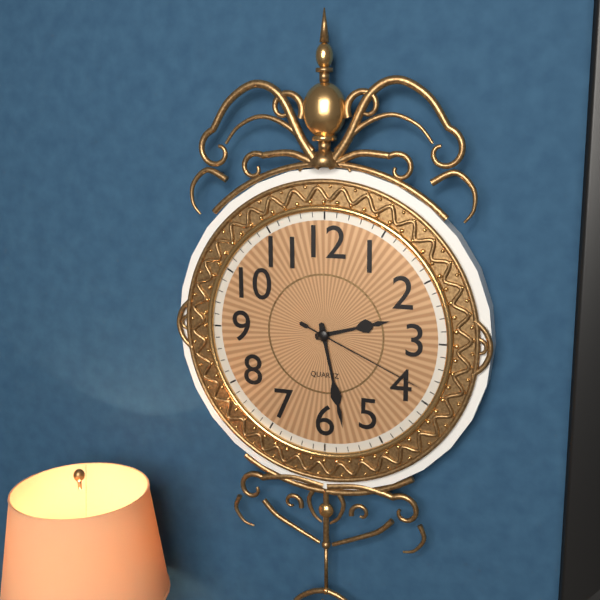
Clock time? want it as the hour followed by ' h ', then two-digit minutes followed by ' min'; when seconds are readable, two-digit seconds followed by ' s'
2 h 28 min 19 s
